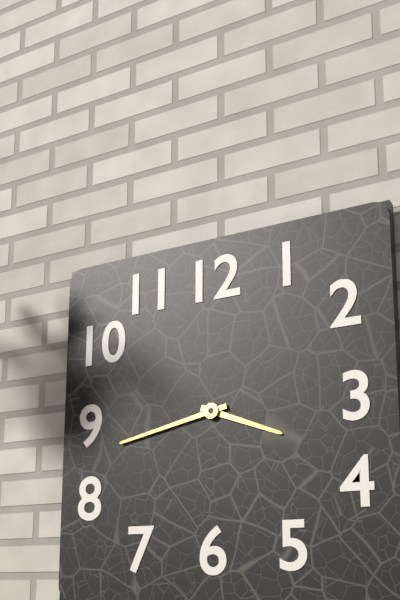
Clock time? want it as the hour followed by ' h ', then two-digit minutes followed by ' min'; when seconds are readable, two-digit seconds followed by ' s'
3 h 43 min
